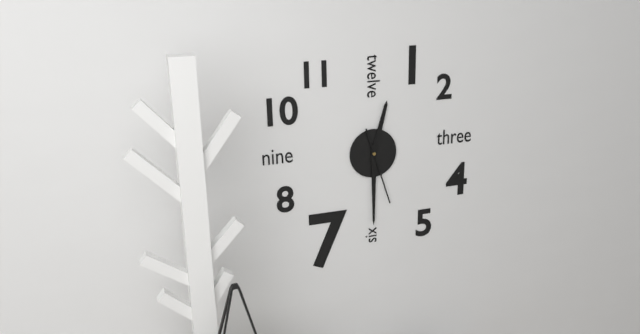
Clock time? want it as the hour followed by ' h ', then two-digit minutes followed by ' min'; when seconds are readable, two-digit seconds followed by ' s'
12 h 30 min 27 s
